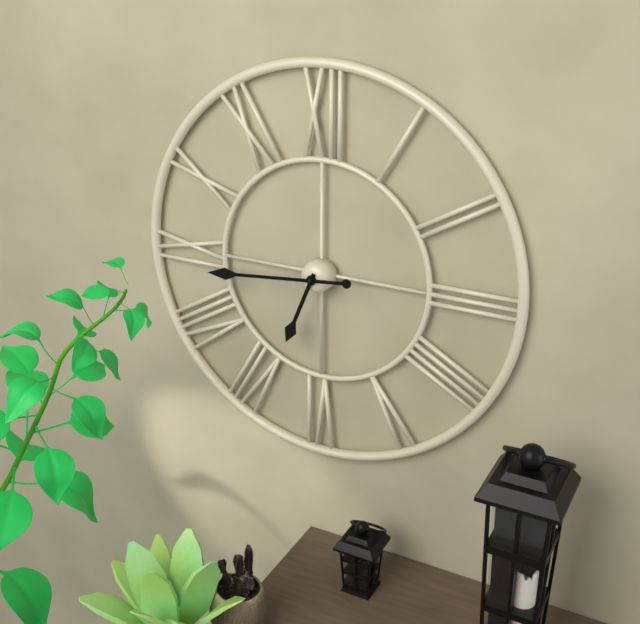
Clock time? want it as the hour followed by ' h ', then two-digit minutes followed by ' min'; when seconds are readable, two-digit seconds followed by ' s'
6 h 44 min
